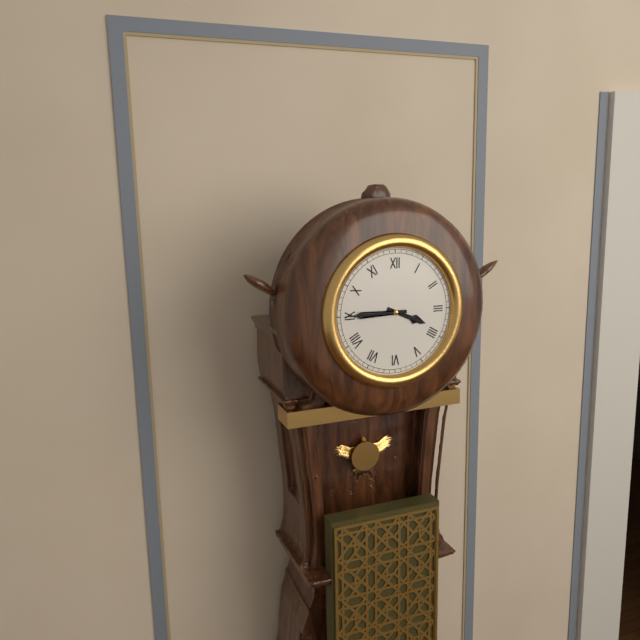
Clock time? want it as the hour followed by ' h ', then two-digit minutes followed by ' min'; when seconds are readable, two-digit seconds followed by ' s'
3 h 45 min
